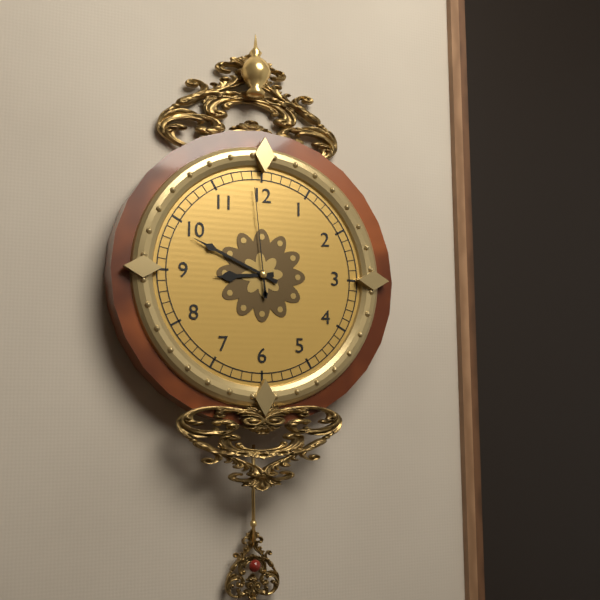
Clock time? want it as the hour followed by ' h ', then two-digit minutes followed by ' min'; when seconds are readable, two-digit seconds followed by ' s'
8 h 49 min 59 s
